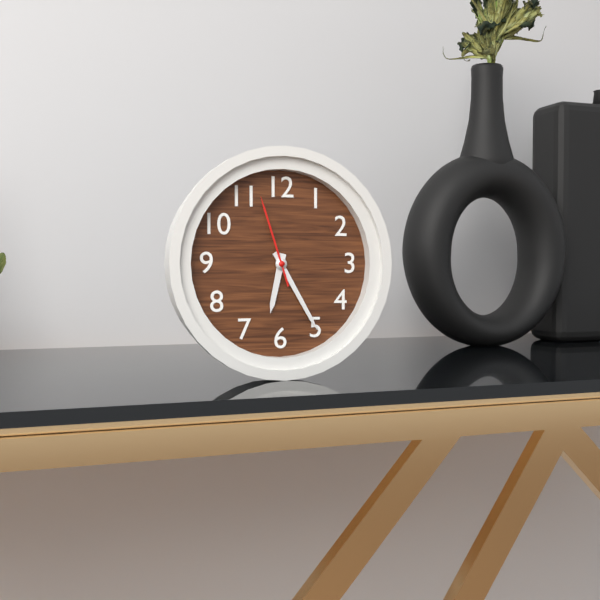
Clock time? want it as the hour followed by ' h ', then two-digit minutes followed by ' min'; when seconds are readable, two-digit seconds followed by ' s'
6 h 25 min 57 s
